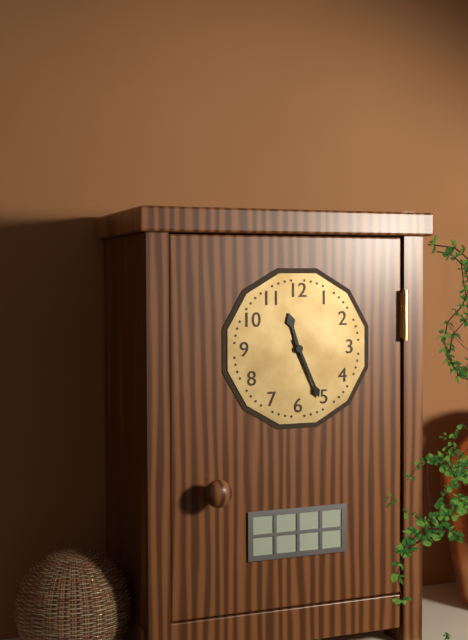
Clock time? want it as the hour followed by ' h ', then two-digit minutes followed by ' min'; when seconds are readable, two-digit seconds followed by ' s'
11 h 26 min
